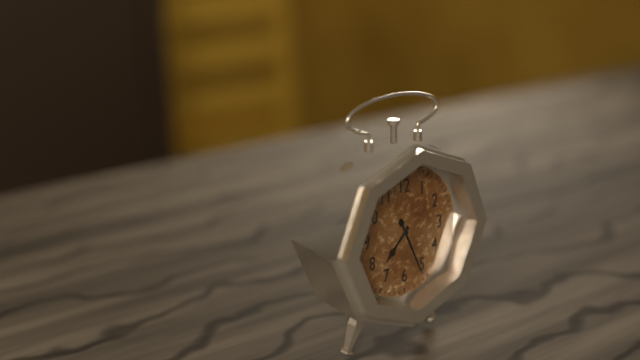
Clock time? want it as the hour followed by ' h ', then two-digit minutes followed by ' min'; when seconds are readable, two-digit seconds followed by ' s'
7 h 26 min
